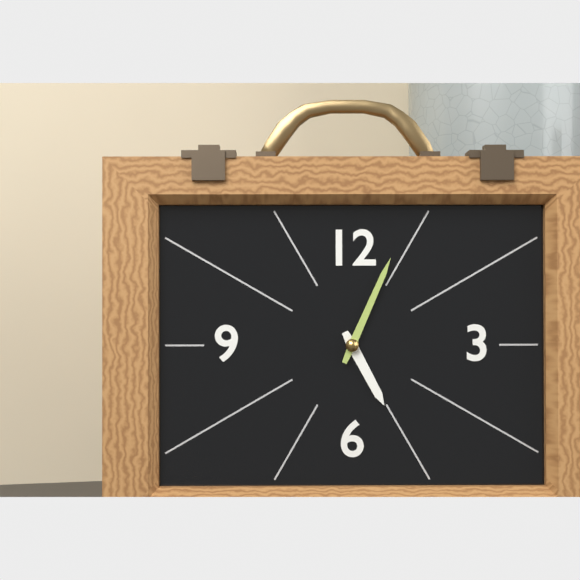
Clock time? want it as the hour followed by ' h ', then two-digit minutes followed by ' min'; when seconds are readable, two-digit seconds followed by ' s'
5 h 04 min
